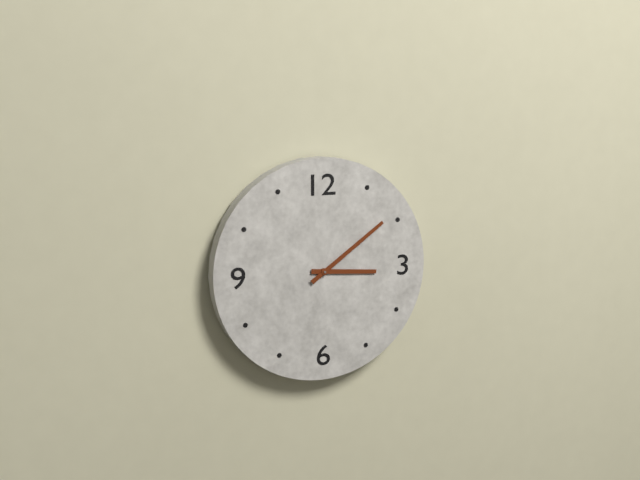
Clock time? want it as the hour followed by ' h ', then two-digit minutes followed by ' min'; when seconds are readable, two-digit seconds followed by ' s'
3 h 09 min
